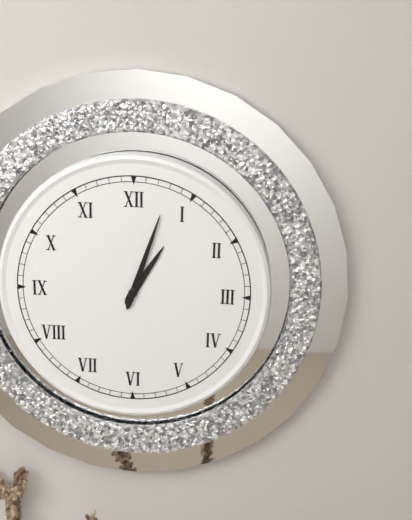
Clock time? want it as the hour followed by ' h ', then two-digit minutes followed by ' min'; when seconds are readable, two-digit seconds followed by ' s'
1 h 03 min
